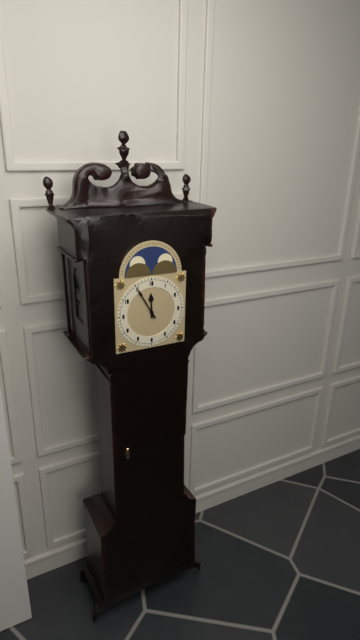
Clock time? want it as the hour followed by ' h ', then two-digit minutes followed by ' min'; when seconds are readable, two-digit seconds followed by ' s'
11 h 55 min
